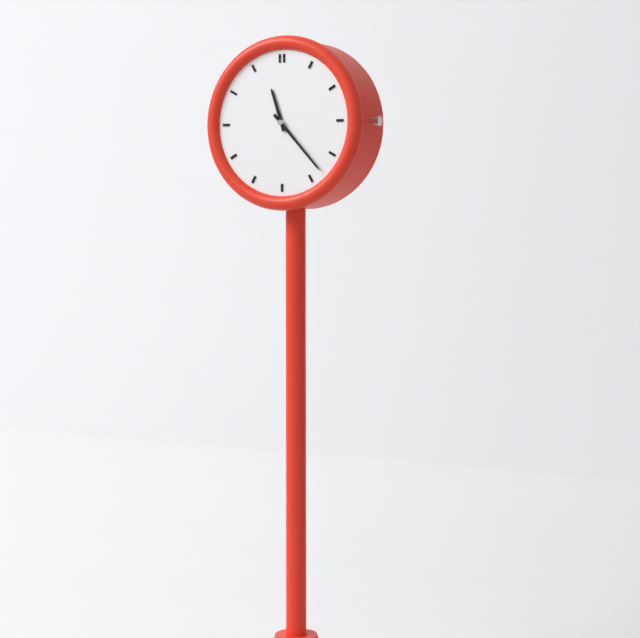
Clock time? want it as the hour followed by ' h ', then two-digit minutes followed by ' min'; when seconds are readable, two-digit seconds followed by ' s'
11 h 23 min
